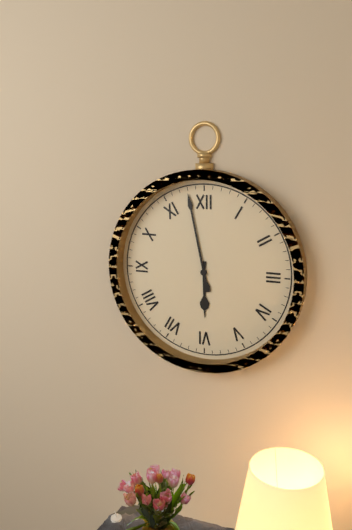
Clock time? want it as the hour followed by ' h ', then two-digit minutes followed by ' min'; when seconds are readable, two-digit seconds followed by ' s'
5 h 58 min
